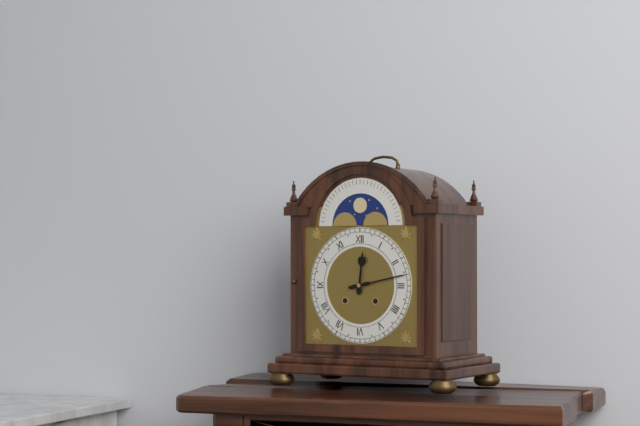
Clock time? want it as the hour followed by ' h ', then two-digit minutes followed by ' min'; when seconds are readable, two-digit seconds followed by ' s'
12 h 13 min
